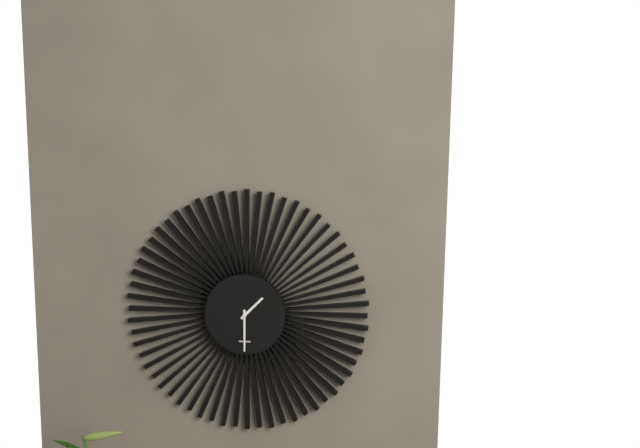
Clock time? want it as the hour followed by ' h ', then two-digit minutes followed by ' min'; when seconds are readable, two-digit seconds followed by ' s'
1 h 30 min
